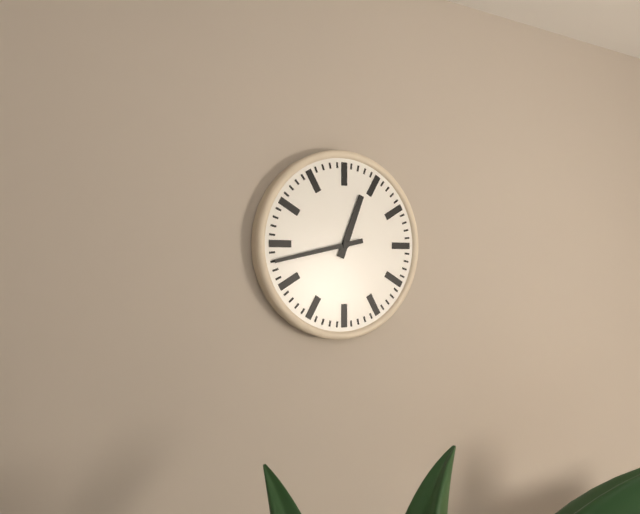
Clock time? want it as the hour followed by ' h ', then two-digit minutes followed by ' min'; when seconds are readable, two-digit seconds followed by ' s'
12 h 43 min
